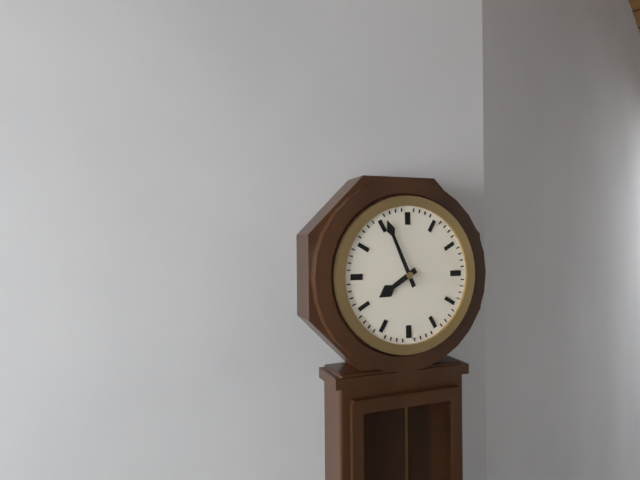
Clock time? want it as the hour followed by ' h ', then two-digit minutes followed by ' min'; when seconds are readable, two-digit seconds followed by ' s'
7 h 56 min
